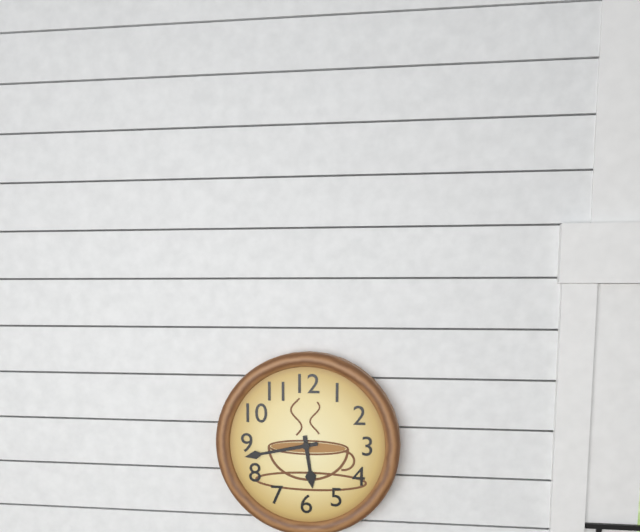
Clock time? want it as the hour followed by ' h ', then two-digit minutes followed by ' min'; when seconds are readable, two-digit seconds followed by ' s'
5 h 43 min
